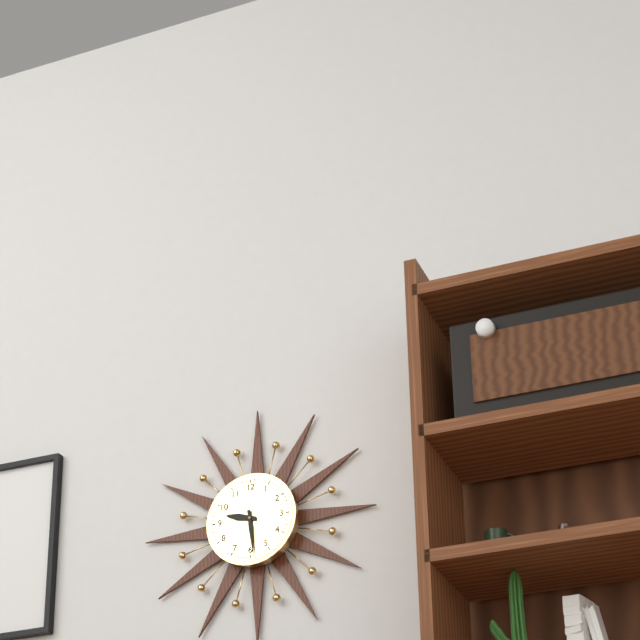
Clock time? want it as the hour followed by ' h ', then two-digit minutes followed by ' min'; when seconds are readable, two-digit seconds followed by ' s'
9 h 29 min
